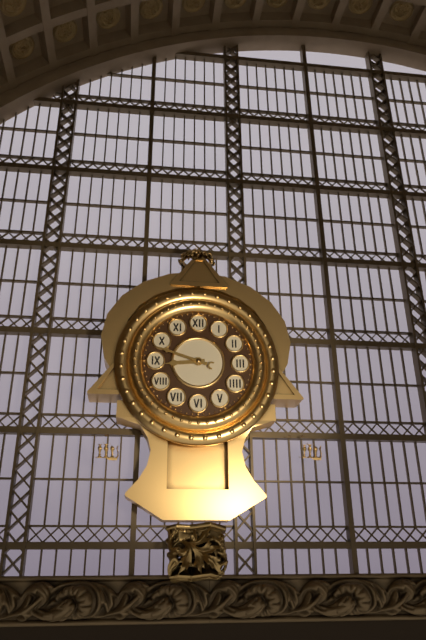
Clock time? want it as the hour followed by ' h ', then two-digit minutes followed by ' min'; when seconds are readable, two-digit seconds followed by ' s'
8 h 48 min
